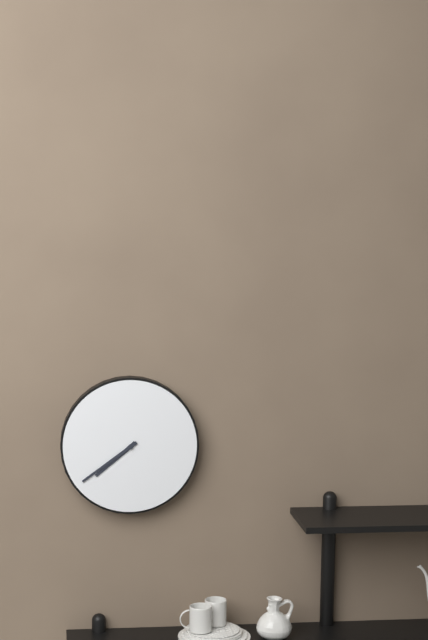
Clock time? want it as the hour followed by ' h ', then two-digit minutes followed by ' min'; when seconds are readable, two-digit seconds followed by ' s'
7 h 39 min
